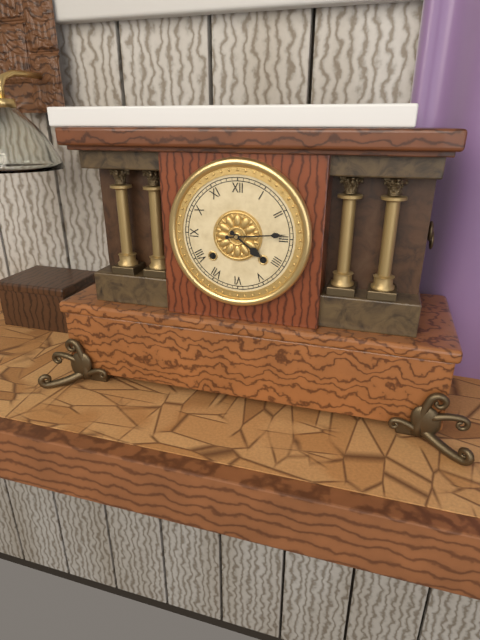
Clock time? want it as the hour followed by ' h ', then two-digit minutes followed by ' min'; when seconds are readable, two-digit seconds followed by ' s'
4 h 14 min
